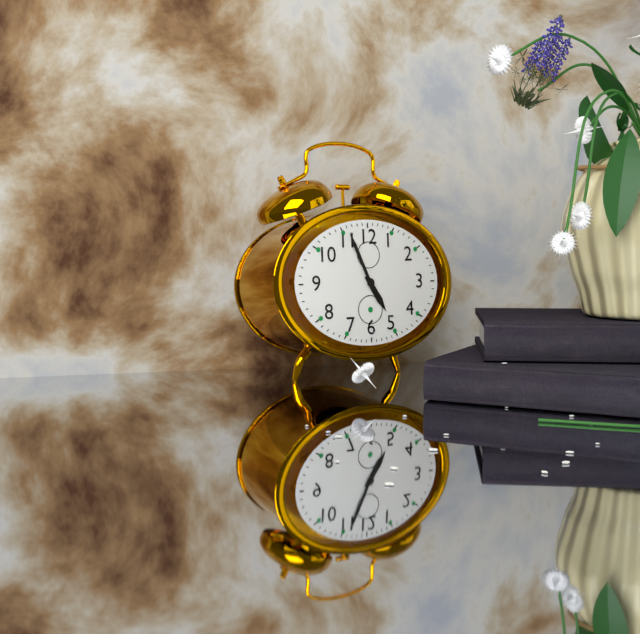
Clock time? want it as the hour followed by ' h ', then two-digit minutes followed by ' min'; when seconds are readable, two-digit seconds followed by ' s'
4 h 56 min
